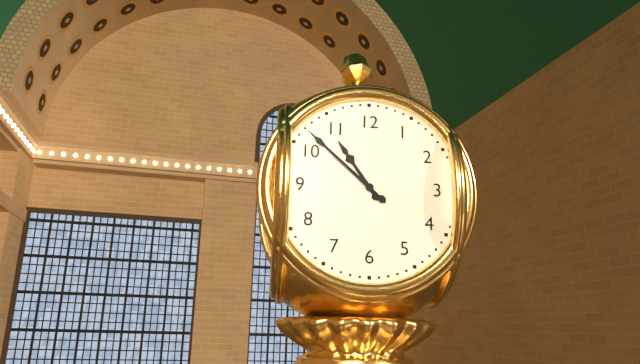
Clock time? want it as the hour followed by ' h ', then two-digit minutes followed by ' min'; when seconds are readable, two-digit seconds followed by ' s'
10 h 52 min
